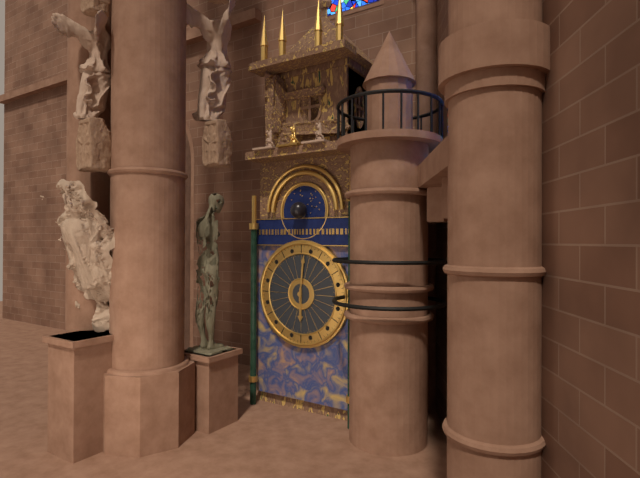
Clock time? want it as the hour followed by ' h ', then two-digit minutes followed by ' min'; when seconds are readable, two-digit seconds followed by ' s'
6 h 01 min
